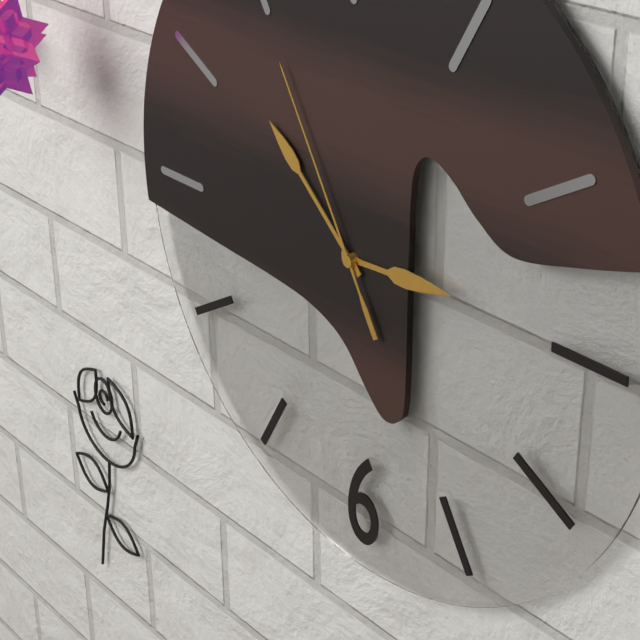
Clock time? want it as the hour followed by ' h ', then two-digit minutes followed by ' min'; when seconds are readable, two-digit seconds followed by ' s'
2 h 52 min 55 s
